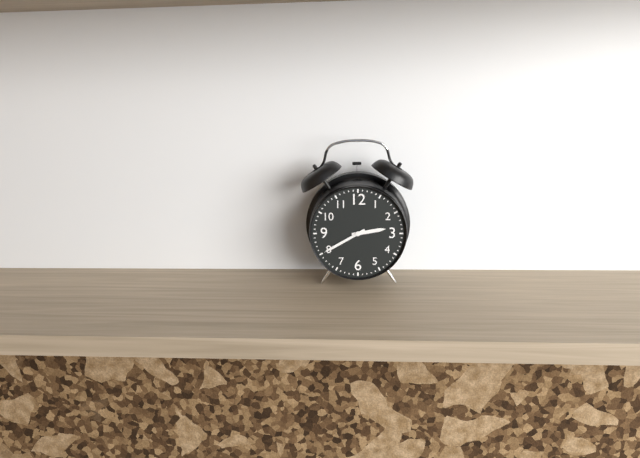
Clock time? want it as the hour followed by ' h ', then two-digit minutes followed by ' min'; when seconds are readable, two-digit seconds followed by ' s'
2 h 40 min
